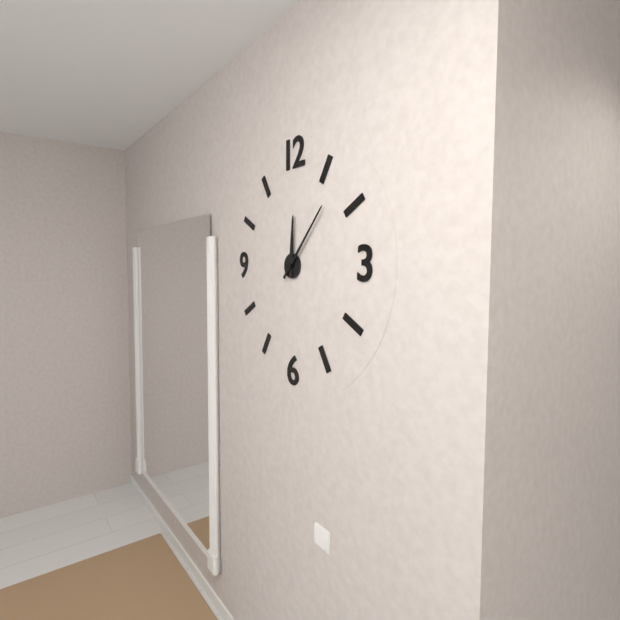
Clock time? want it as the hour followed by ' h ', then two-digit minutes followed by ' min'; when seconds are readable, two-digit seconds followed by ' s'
12 h 07 min
